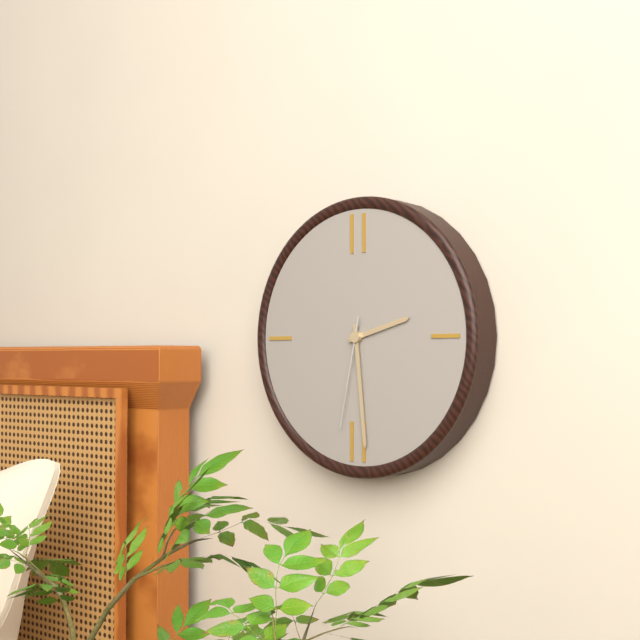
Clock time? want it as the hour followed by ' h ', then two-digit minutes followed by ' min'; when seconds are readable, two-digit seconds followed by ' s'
2 h 29 min 32 s
